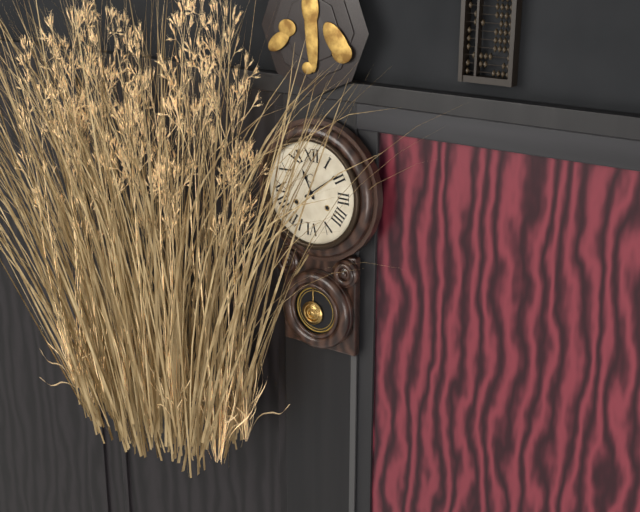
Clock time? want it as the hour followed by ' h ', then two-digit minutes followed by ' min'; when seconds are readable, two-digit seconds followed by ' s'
11 h 09 min
